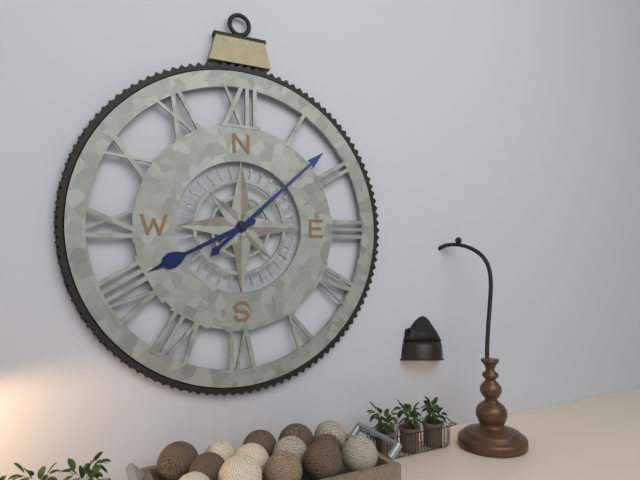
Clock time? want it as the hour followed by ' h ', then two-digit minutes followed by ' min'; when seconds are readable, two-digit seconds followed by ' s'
8 h 08 min
